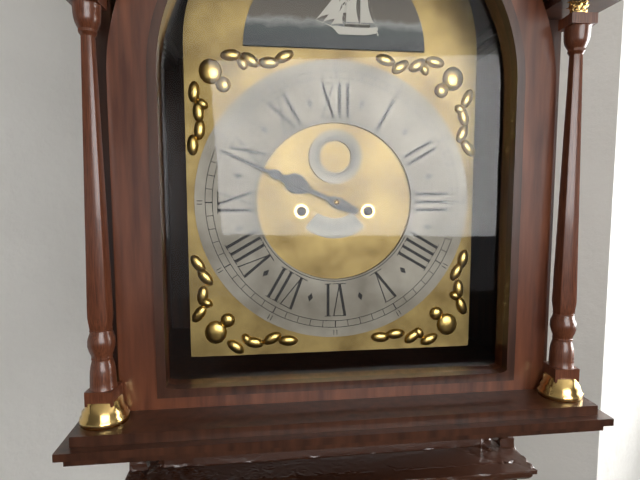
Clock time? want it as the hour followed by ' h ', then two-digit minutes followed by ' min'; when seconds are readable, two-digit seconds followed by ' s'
9 h 49 min
